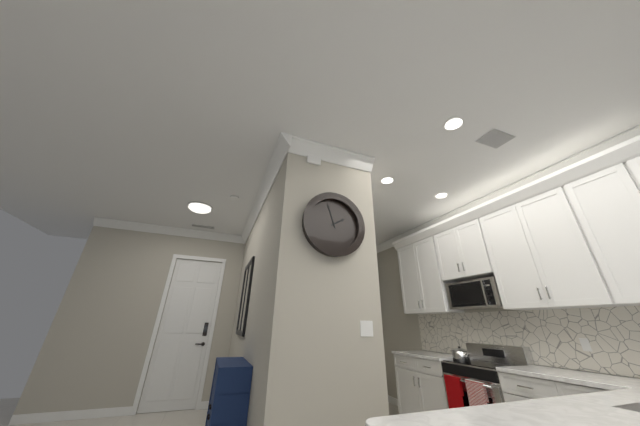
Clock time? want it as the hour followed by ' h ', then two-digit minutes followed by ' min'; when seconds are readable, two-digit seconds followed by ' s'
1 h 57 min
